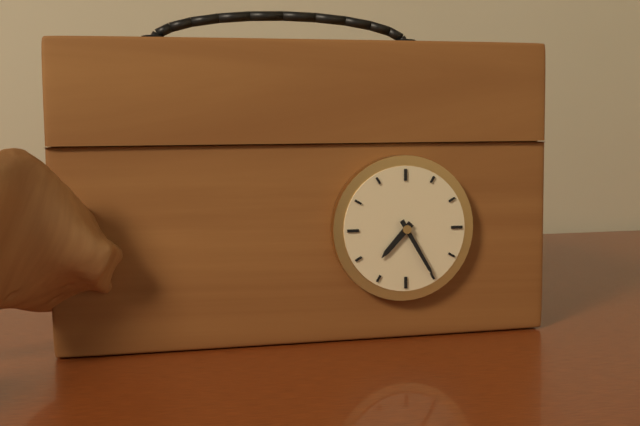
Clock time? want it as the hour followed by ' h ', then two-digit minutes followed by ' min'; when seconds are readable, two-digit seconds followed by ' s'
7 h 25 min
